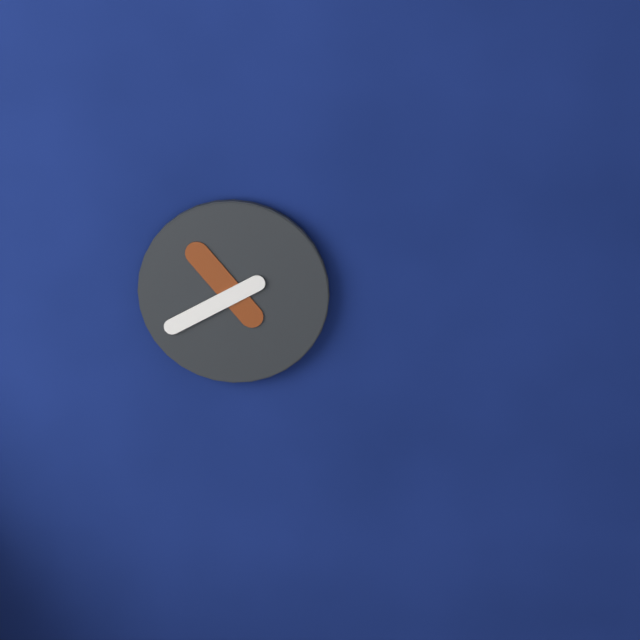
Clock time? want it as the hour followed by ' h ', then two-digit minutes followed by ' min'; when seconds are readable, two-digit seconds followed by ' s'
10 h 40 min
